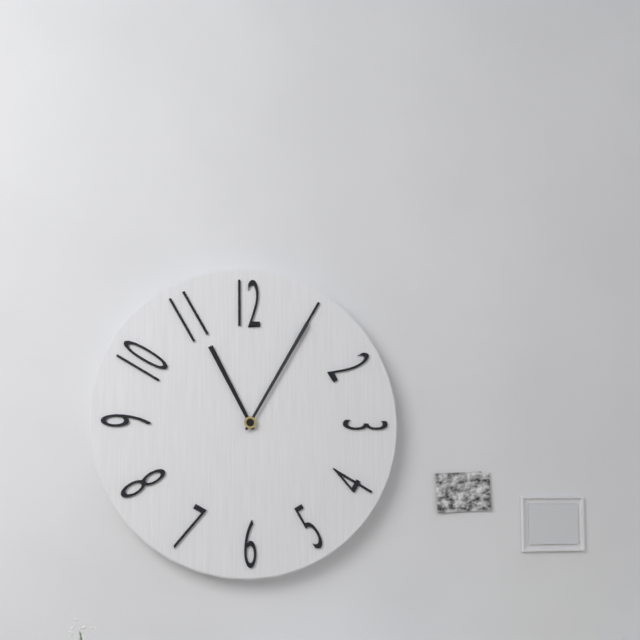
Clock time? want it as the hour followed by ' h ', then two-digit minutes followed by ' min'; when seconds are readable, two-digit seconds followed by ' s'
11 h 05 min
